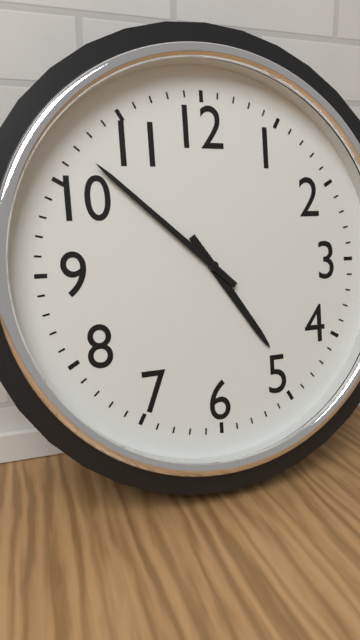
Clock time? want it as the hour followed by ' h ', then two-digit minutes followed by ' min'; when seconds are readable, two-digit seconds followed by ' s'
4 h 52 min
